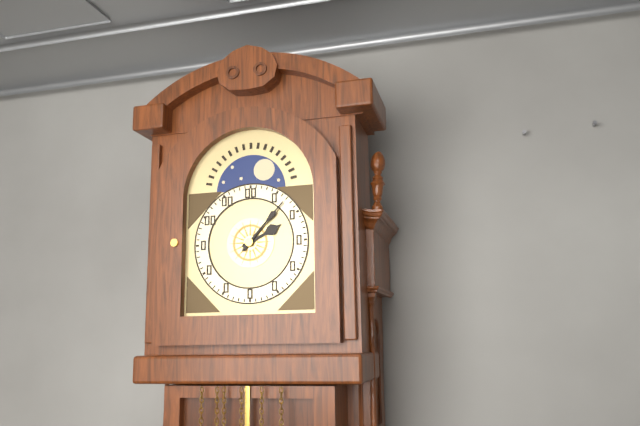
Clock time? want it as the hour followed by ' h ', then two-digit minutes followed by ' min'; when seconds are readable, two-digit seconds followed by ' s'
2 h 07 min
